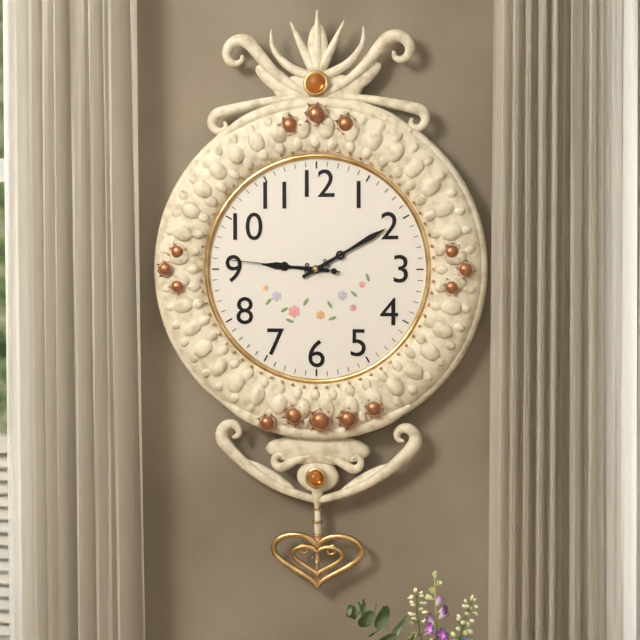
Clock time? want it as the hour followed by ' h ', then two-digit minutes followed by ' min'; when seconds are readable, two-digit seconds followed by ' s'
9 h 10 min 46 s
